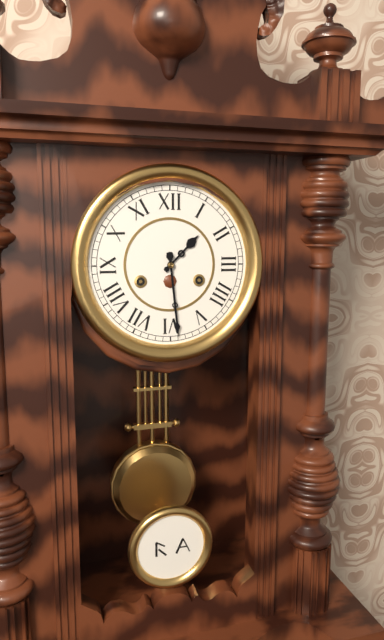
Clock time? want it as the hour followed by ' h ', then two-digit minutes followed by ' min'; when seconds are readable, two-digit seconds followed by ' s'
1 h 29 min
